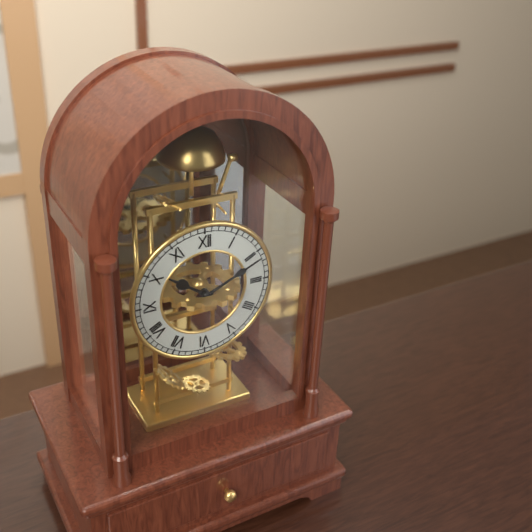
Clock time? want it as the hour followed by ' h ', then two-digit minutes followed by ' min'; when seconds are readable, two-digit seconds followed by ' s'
10 h 11 min
